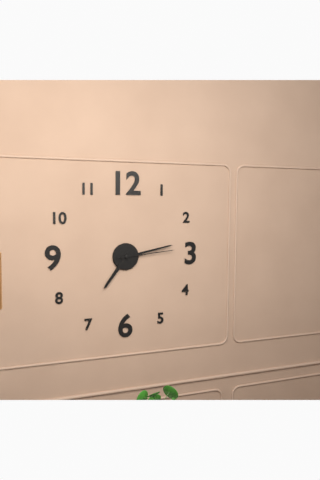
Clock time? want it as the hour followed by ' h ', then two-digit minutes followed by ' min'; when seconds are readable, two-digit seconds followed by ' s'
7 h 13 min 14 s
